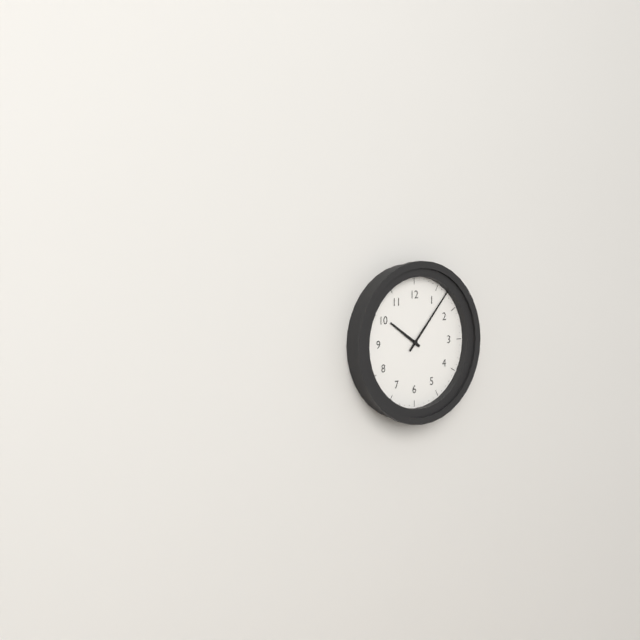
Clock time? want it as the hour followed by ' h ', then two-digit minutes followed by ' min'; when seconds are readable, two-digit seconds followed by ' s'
10 h 07 min
